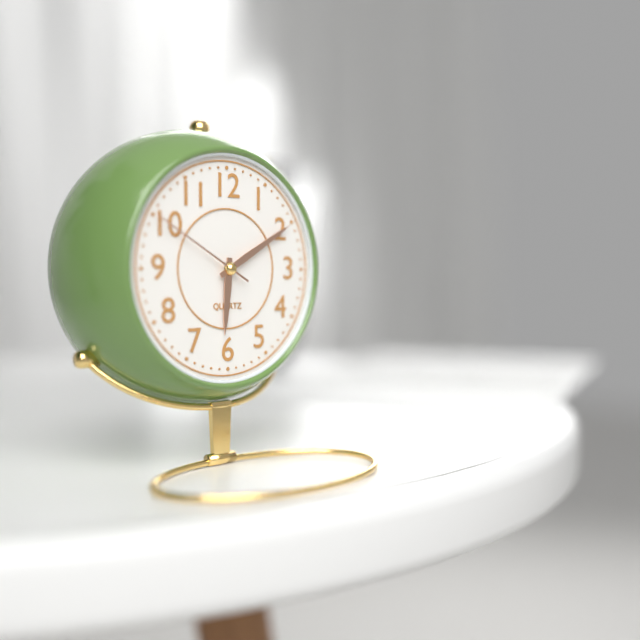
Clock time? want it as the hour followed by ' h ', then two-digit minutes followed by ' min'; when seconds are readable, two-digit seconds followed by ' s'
6 h 10 min 50 s
